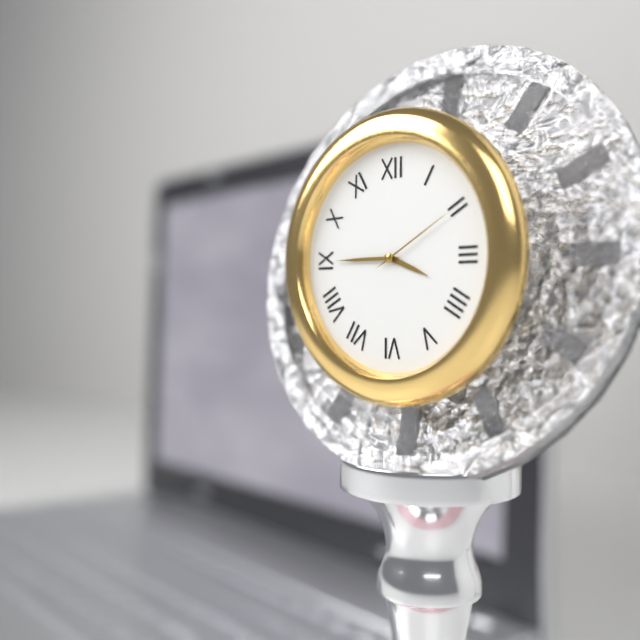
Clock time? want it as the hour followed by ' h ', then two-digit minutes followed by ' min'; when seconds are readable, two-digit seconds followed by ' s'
3 h 45 min 10 s
